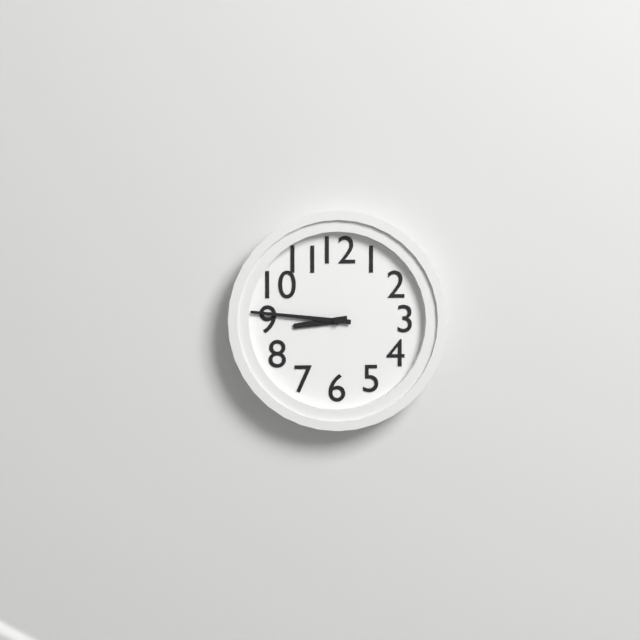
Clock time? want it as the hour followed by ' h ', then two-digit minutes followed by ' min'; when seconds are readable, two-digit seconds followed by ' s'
8 h 46 min
